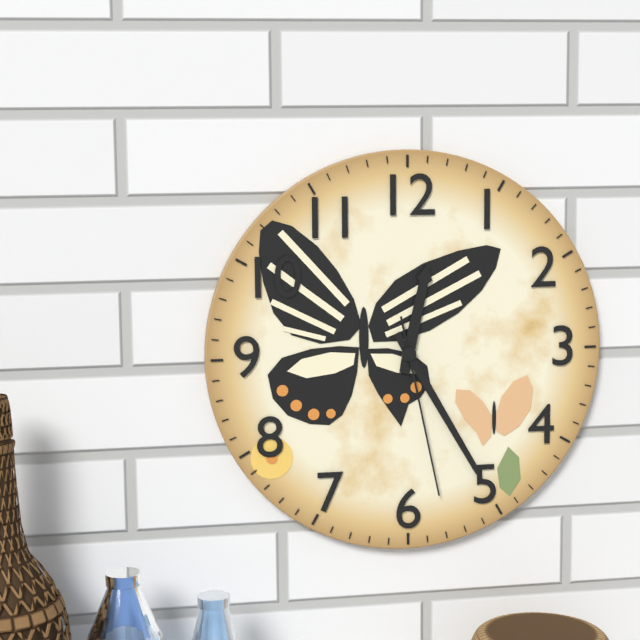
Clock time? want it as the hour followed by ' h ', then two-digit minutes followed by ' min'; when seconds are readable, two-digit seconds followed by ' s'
12 h 25 min 28 s
